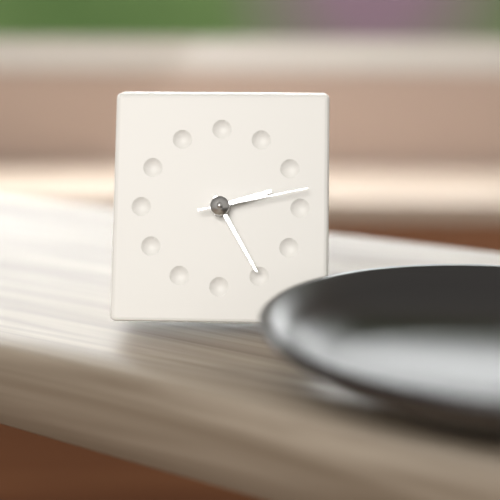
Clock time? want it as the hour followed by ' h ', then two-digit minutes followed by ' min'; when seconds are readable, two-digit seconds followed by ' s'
2 h 25 min 13 s
